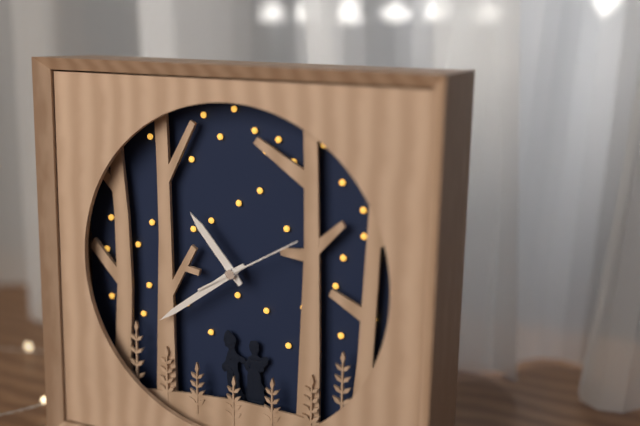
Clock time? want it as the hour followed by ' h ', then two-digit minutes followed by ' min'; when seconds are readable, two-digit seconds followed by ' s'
10 h 39 min 10 s
